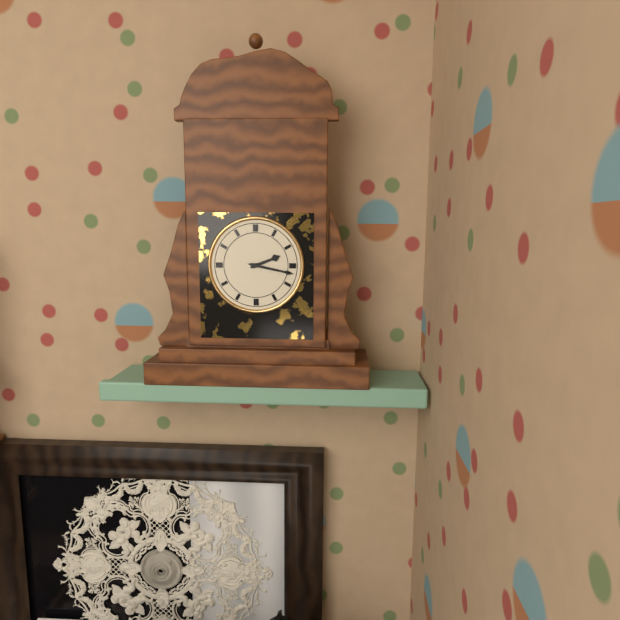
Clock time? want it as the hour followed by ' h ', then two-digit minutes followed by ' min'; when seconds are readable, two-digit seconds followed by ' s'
2 h 17 min
